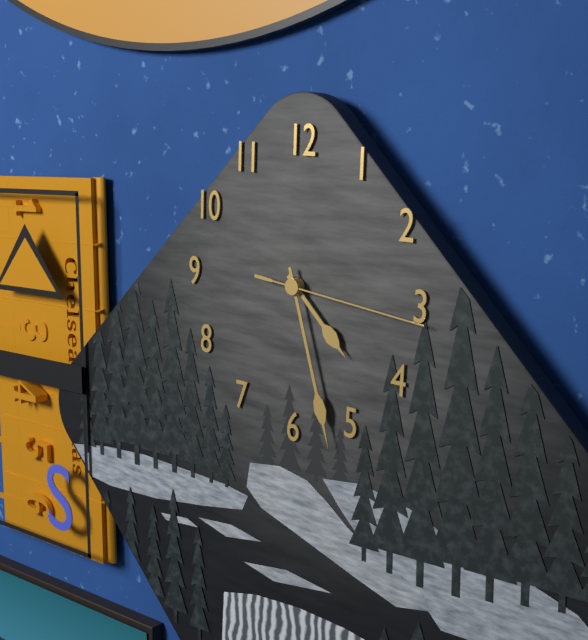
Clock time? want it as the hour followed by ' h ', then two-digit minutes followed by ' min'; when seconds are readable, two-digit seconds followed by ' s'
4 h 27 min 16 s
